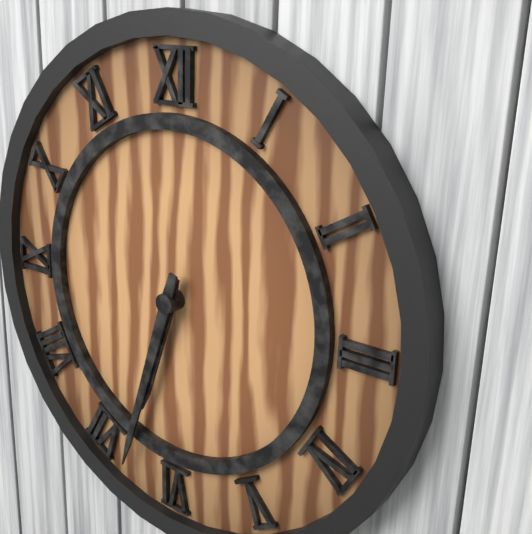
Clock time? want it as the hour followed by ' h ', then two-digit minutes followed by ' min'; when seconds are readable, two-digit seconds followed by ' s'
6 h 33 min
